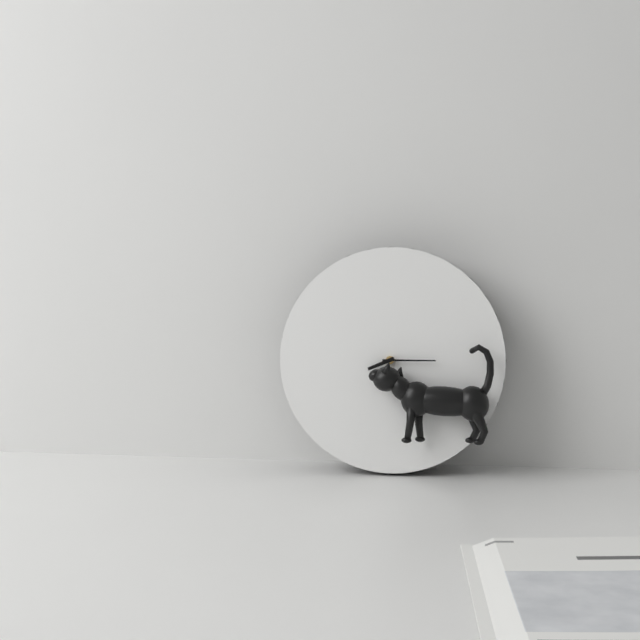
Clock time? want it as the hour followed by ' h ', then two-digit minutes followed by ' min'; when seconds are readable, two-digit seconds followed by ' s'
8 h 15 min
